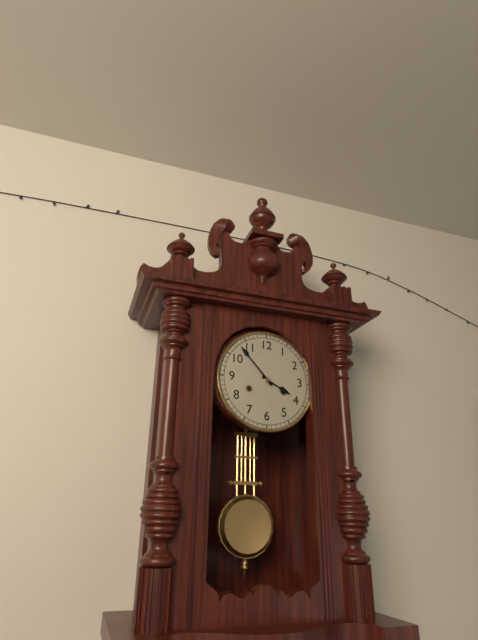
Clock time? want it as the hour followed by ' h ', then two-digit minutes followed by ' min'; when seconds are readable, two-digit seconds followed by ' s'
3 h 53 min
